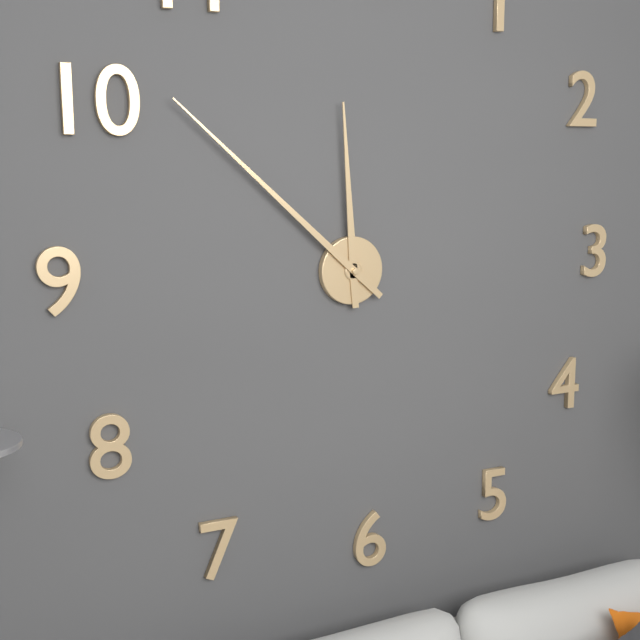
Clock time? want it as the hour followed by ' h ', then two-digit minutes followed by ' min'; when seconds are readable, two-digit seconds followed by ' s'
11 h 52 min
